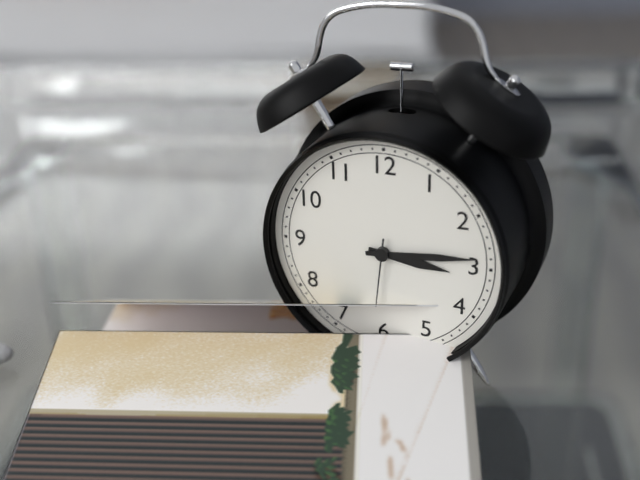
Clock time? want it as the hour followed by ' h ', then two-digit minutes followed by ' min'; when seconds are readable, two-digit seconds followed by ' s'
3 h 14 min 31 s
